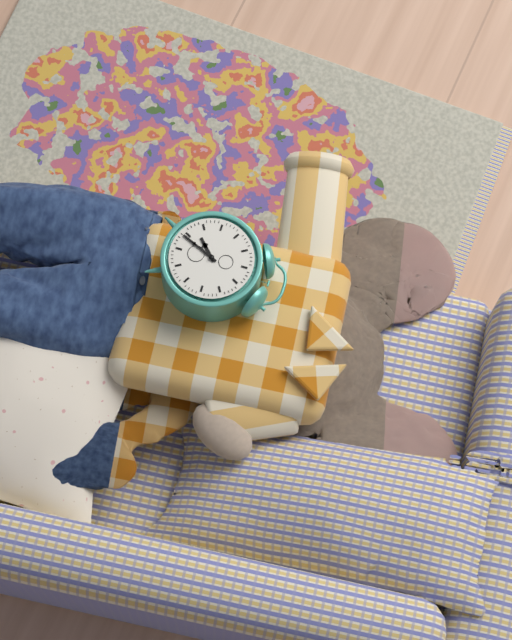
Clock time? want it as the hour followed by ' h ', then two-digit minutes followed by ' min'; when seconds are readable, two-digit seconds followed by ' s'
7 h 34 min
